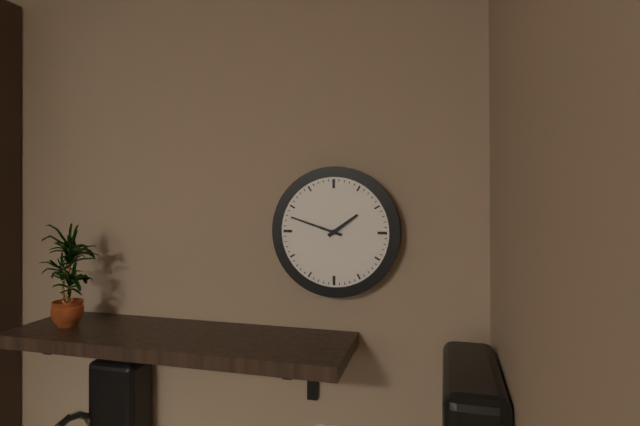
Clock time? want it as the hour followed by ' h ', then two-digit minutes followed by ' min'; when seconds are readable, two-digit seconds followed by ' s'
1 h 48 min
